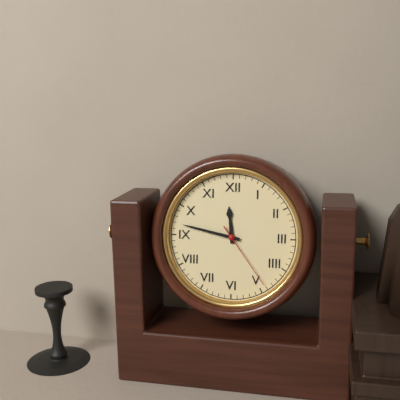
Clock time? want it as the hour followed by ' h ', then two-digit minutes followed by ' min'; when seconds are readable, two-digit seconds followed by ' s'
11 h 47 min 24 s
